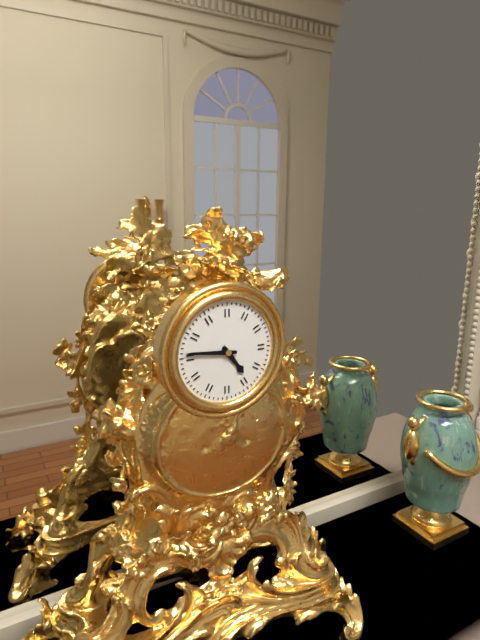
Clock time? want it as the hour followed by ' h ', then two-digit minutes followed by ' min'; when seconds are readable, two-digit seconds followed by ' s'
4 h 46 min
